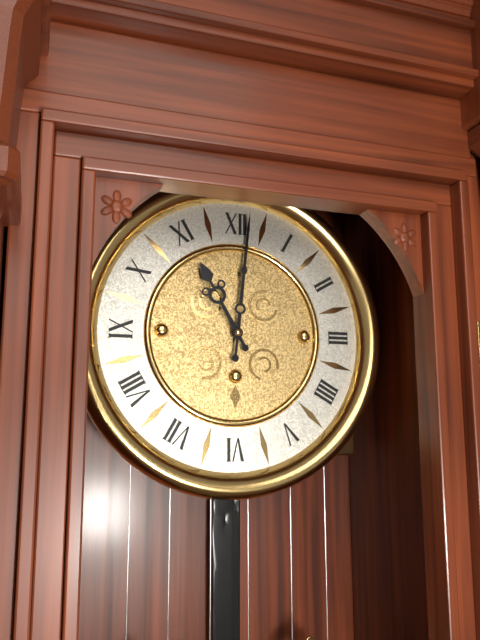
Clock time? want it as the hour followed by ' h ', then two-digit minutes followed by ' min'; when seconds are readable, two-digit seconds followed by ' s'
11 h 01 min
